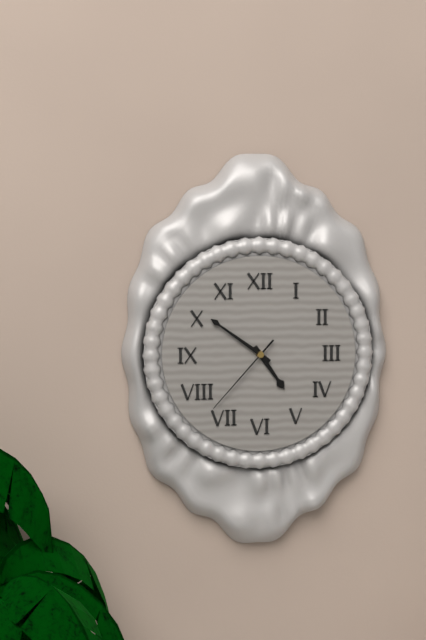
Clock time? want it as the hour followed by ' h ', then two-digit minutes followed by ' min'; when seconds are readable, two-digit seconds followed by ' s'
4 h 51 min 37 s
